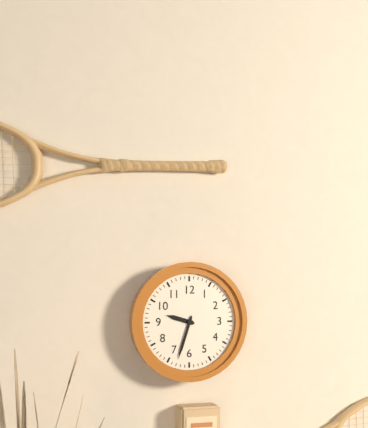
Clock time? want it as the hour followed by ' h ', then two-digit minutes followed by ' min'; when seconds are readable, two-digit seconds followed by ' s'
9 h 33 min
